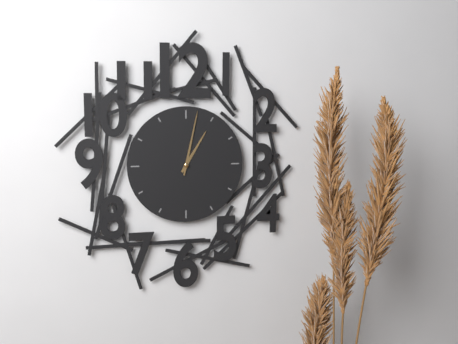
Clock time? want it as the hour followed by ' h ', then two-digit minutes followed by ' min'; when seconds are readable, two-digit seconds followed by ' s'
1 h 02 min
